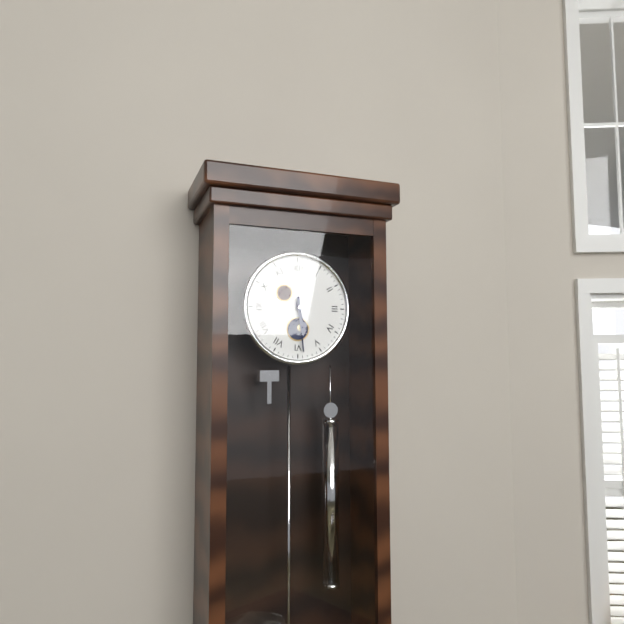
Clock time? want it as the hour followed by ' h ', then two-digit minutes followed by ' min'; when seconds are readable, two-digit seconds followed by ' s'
5 h 29 min
